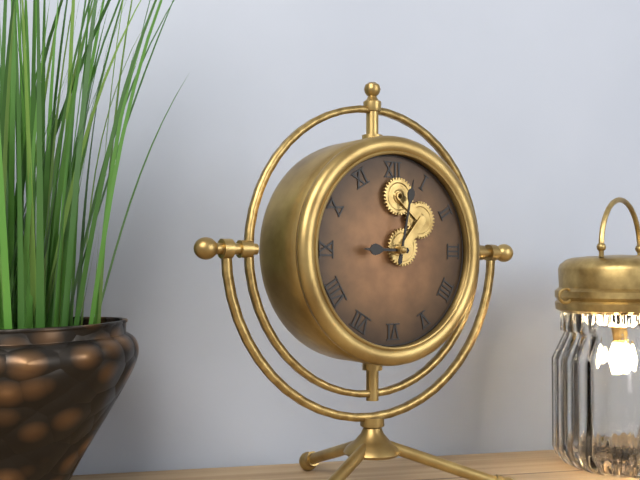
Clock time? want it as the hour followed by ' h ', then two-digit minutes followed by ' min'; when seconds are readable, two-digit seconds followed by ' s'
9 h 02 min
